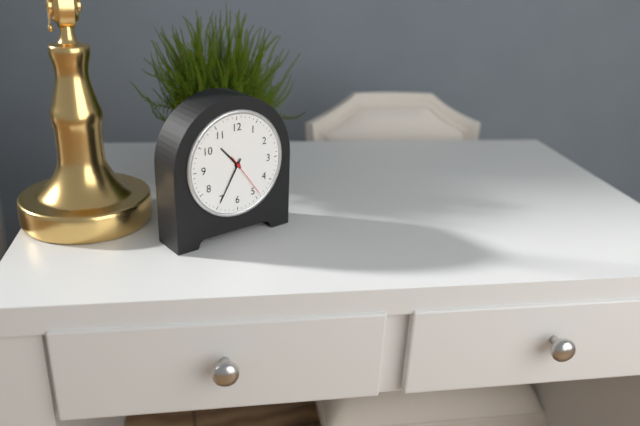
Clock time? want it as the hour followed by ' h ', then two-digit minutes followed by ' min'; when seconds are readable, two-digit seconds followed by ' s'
10 h 35 min
